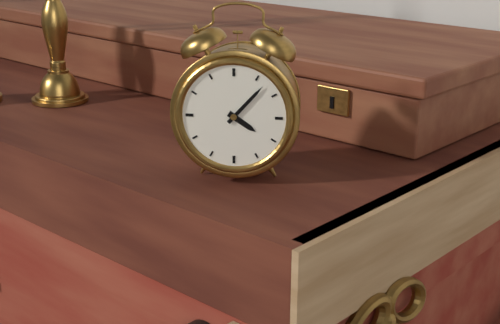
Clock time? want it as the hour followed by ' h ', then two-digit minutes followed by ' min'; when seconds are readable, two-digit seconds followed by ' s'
4 h 07 min
